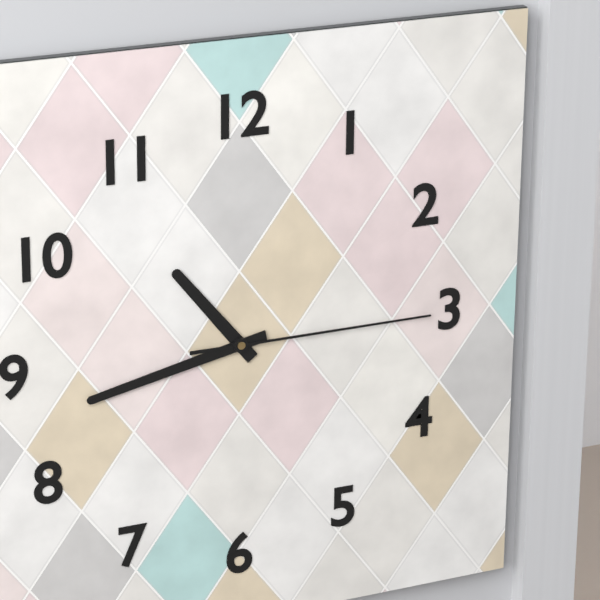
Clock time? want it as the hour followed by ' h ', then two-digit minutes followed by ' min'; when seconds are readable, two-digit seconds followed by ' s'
10 h 43 min 15 s
